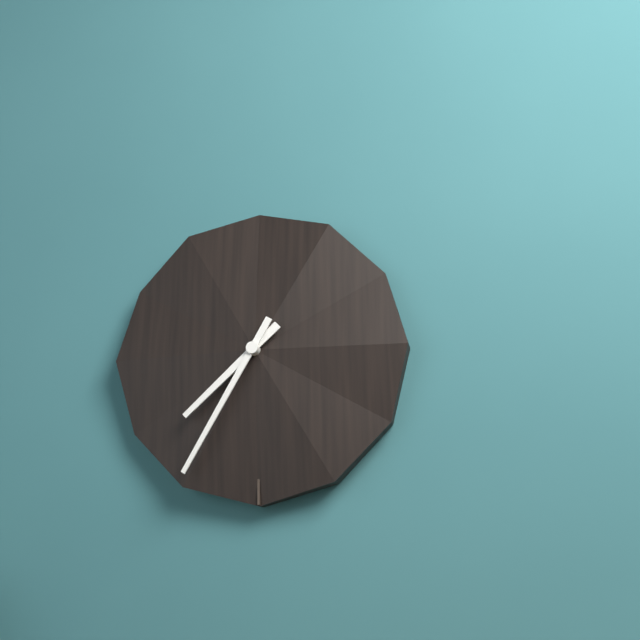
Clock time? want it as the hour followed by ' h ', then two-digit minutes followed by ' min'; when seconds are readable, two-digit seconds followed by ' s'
7 h 35 min
